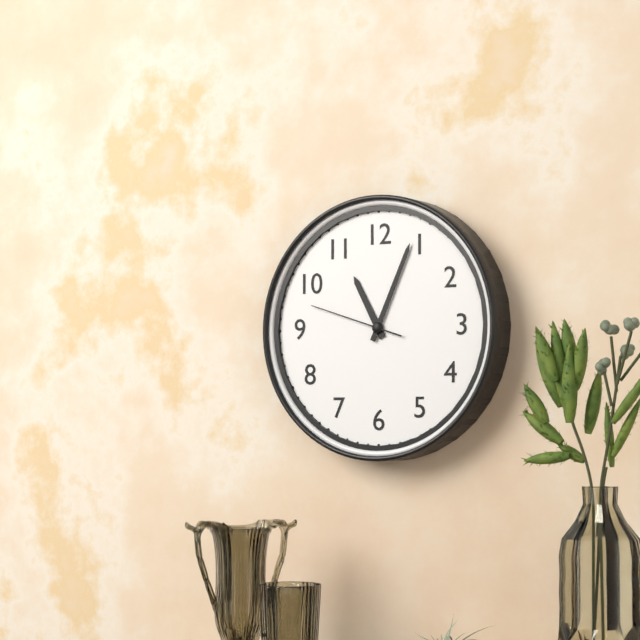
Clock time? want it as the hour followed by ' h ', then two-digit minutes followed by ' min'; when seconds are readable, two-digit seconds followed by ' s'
11 h 04 min 48 s
